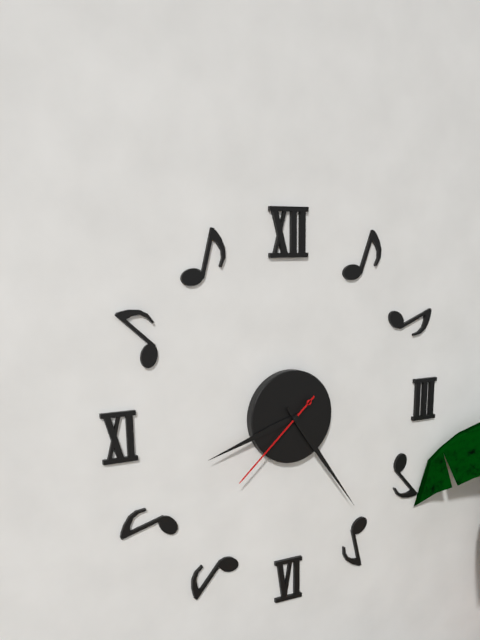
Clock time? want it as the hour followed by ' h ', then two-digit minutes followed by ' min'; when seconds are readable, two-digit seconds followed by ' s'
8 h 24 min 38 s
